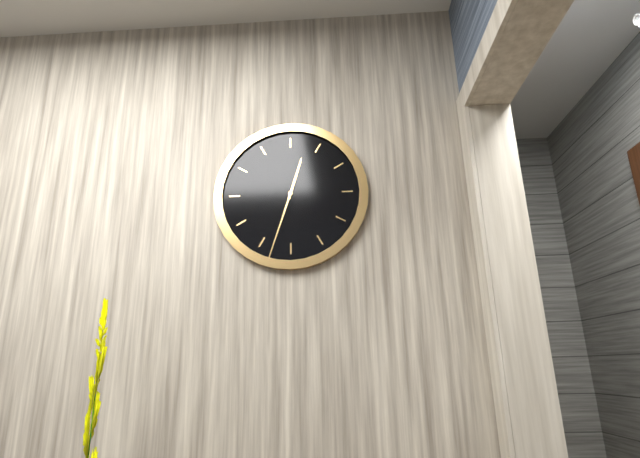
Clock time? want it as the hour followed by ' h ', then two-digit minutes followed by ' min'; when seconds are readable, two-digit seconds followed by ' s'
12 h 33 min
